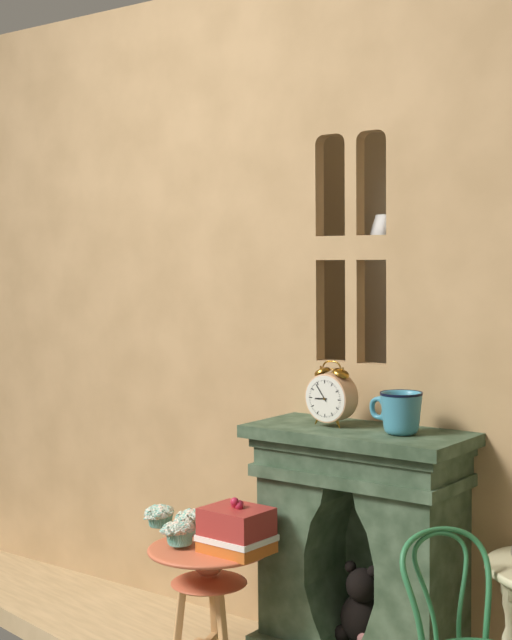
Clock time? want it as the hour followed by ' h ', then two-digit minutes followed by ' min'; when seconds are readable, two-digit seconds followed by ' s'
8 h 54 min
